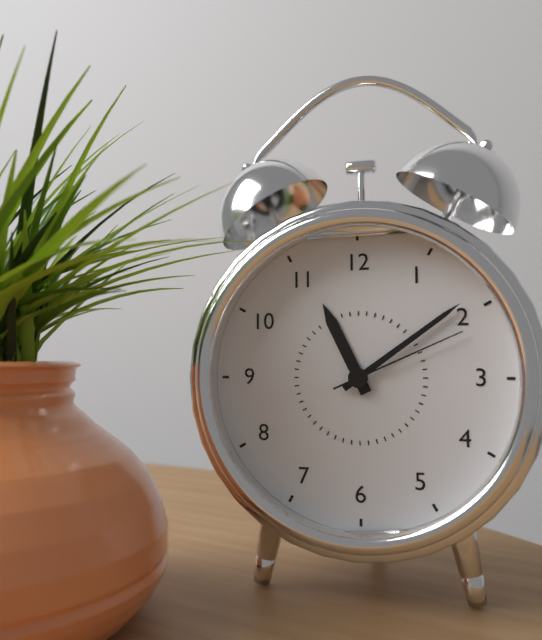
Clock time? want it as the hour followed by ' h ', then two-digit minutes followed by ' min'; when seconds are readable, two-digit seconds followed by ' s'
11 h 09 min 11 s
